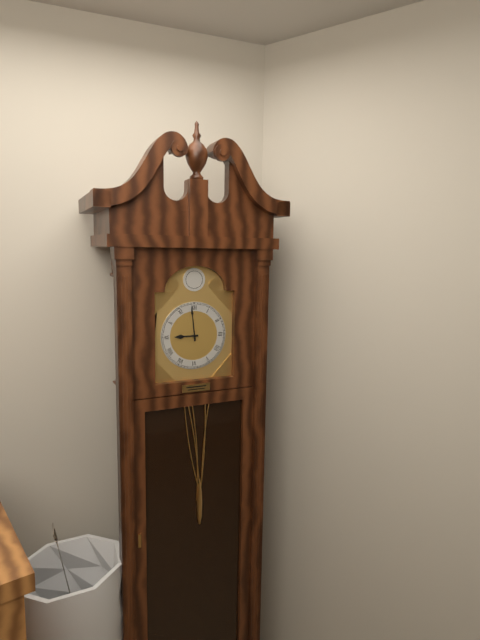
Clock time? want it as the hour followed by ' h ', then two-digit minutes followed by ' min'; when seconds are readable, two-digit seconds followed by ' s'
8 h 59 min
